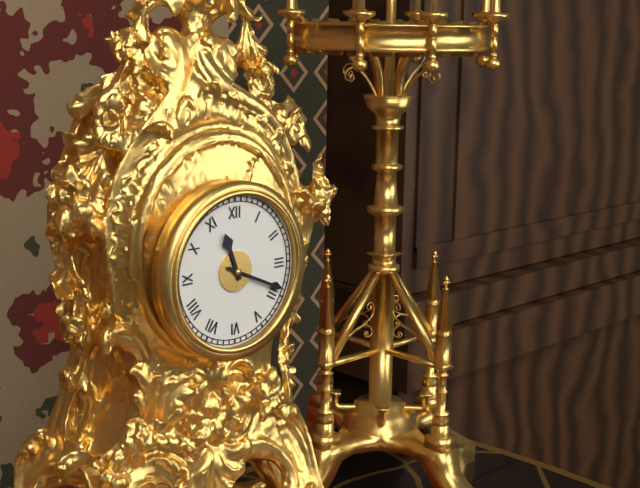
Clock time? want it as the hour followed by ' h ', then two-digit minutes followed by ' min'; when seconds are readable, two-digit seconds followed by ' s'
11 h 19 min
